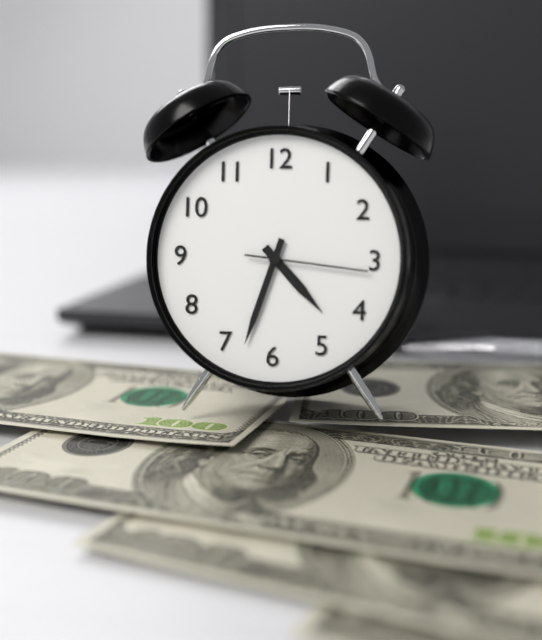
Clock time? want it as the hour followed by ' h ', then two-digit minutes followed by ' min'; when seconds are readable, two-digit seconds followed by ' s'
4 h 33 min 16 s
